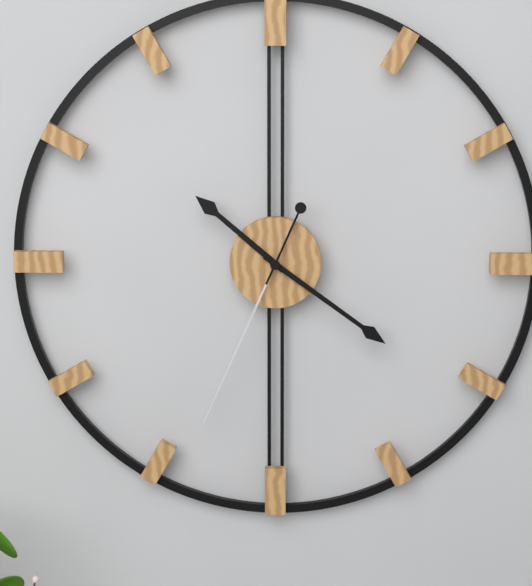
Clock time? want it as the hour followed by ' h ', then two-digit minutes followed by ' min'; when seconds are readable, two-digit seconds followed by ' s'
10 h 21 min 34 s
